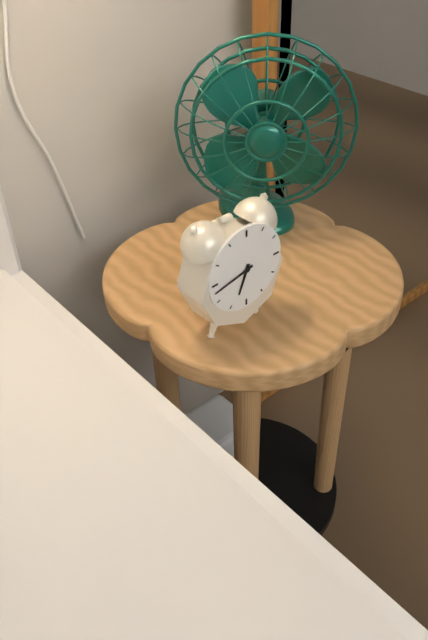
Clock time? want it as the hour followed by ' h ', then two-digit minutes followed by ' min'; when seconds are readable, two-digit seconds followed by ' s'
6 h 43 min
